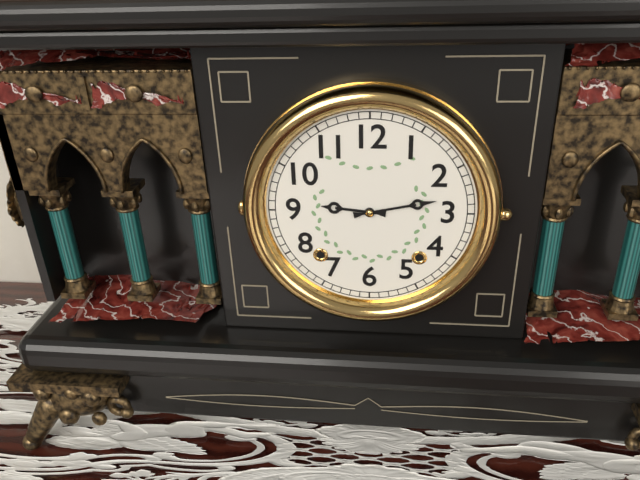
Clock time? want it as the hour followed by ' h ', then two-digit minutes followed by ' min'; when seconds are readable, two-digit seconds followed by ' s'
9 h 13 min
